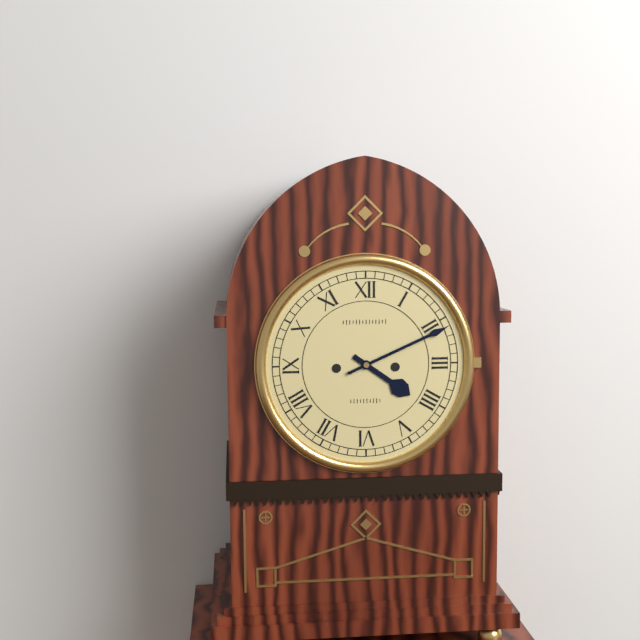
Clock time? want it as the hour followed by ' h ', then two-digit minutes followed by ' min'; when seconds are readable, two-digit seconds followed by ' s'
4 h 11 min
